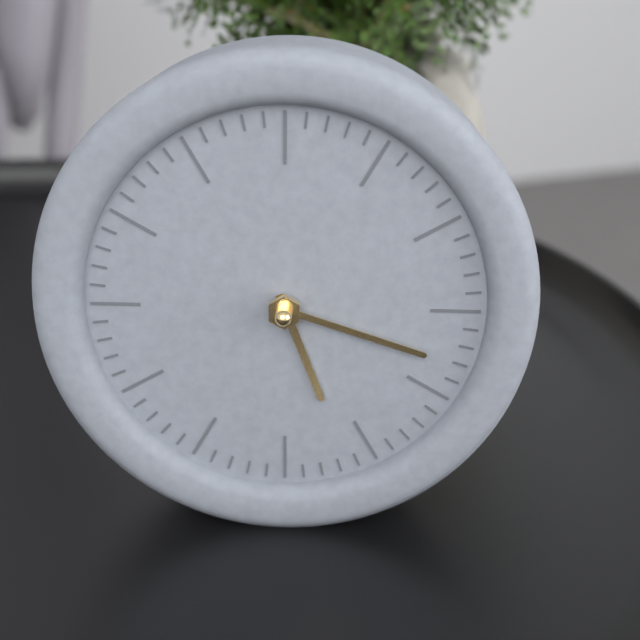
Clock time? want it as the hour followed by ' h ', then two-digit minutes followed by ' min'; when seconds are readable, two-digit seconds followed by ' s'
5 h 18 min
